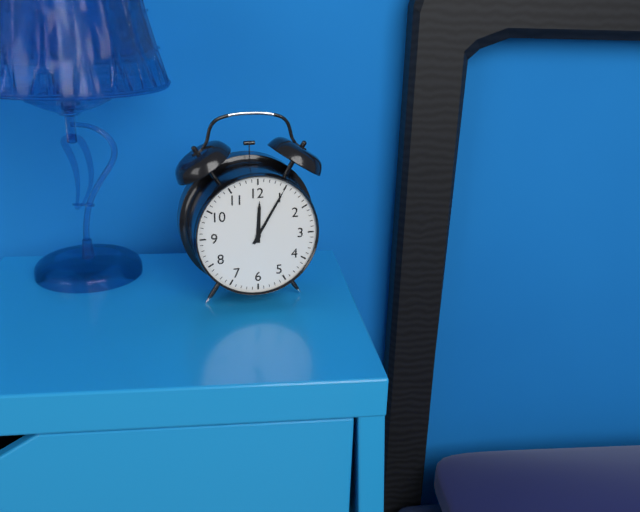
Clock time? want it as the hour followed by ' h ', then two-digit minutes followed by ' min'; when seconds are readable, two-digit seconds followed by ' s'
12 h 05 min
